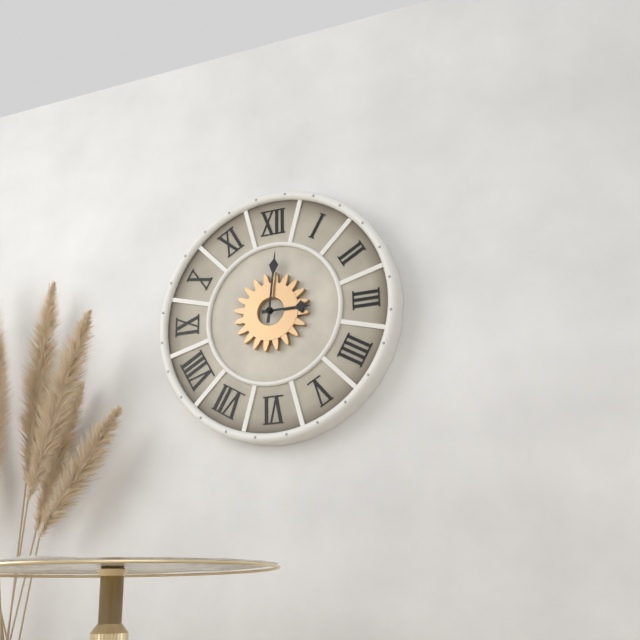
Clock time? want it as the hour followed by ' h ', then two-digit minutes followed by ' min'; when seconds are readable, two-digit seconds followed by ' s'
3 h 01 min
